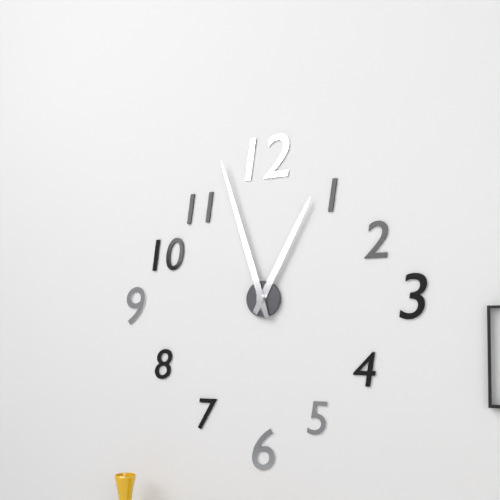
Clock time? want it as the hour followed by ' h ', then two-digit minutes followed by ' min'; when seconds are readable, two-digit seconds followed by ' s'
12 h 57 min
